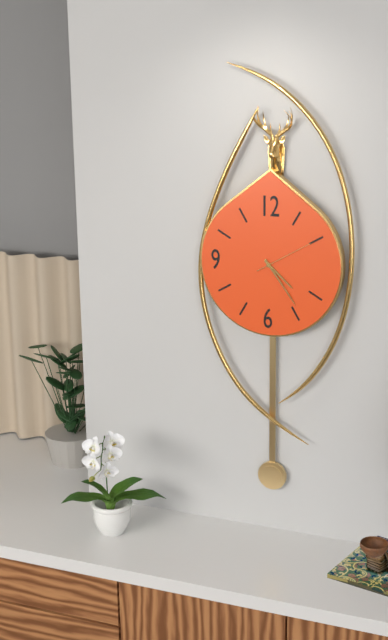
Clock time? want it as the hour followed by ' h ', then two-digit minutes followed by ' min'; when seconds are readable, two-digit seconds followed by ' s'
4 h 24 min 10 s
